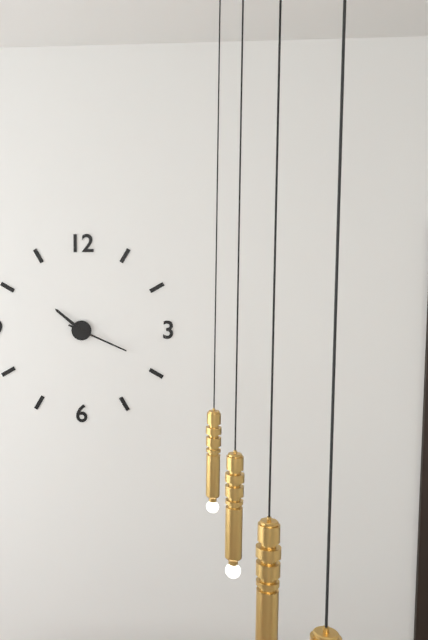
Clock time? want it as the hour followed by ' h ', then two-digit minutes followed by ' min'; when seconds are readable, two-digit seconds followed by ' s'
10 h 19 min
